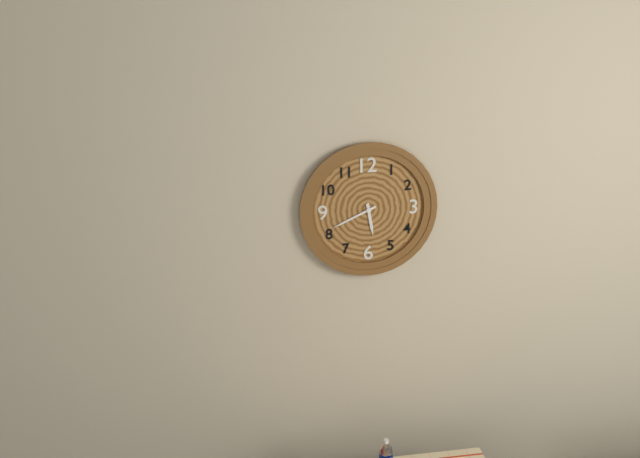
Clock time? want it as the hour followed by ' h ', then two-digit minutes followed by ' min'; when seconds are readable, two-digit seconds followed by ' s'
5 h 41 min
